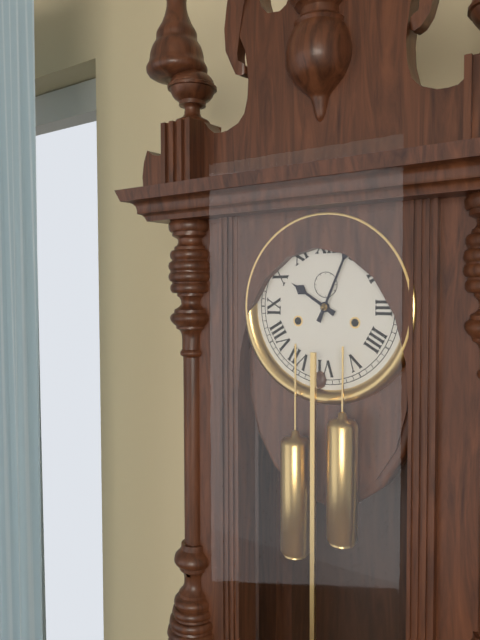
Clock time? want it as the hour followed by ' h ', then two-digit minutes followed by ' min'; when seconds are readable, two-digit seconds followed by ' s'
10 h 04 min
